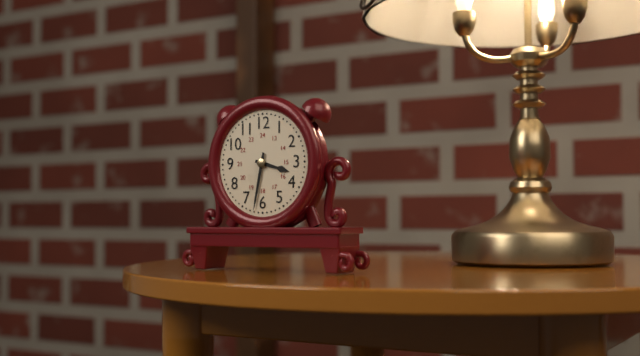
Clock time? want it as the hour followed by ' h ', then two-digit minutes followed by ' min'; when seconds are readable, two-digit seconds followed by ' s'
3 h 32 min
